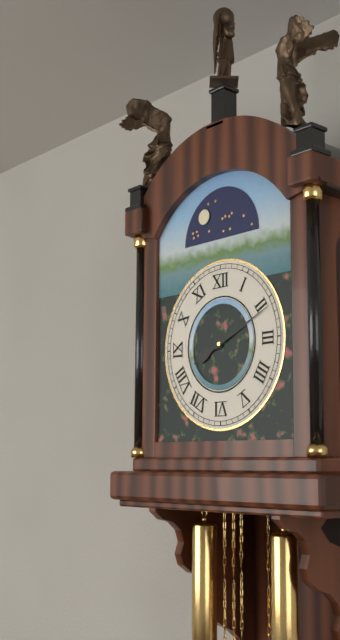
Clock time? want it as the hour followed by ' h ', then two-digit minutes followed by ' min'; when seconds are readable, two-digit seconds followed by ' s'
8 h 11 min
